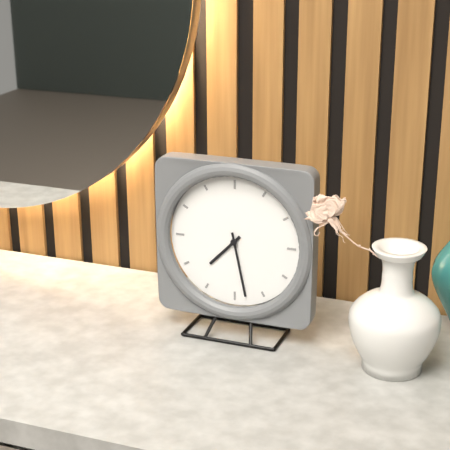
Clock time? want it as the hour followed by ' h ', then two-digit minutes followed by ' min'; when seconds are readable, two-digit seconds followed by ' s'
7 h 28 min
